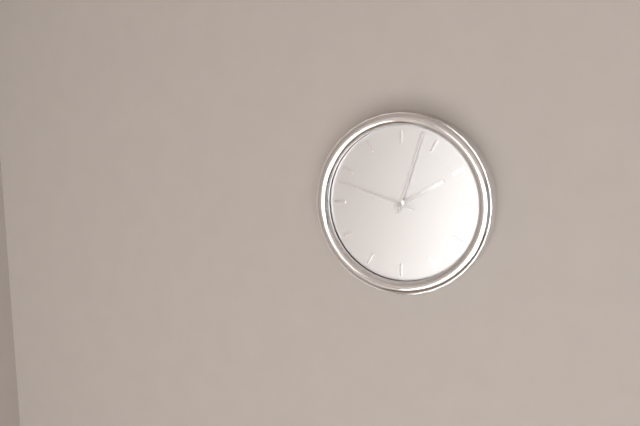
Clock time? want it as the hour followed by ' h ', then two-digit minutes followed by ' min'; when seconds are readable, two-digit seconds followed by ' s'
2 h 03 min 48 s
